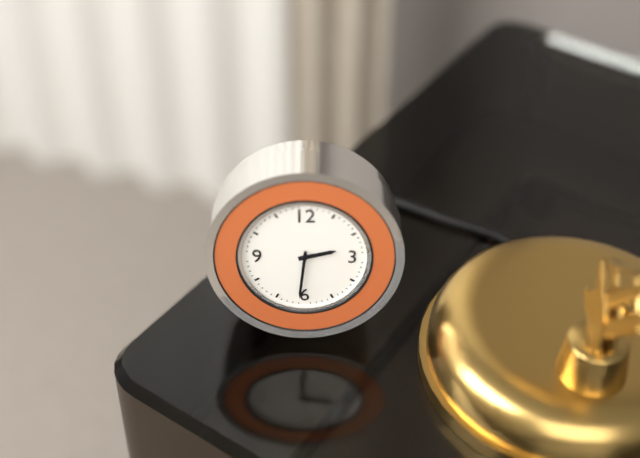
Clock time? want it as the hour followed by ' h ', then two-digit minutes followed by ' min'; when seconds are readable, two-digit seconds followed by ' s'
2 h 31 min
